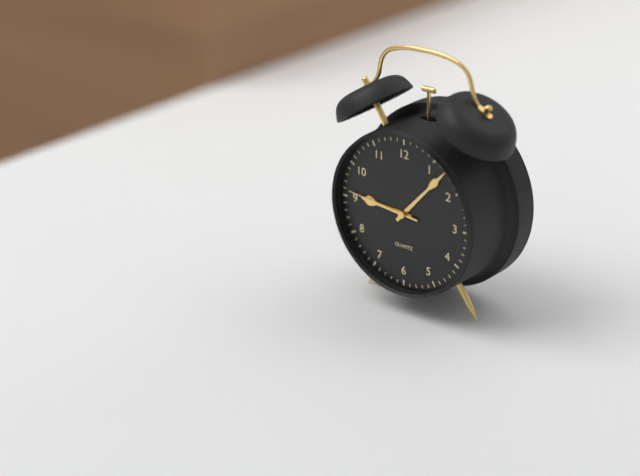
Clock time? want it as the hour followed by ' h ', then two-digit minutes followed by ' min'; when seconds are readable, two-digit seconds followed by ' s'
9 h 07 min 46 s
